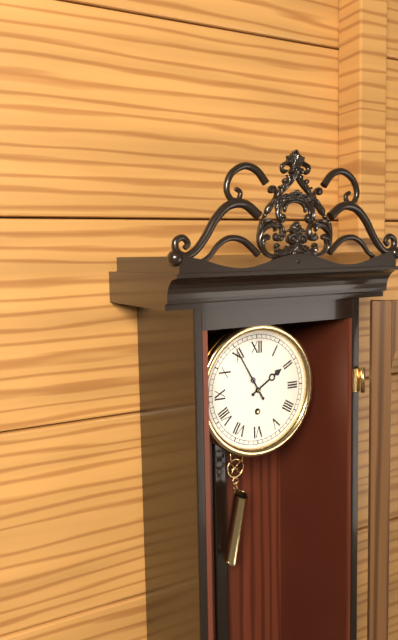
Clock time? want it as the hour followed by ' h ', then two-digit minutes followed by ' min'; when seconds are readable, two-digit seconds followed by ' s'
1 h 55 min
